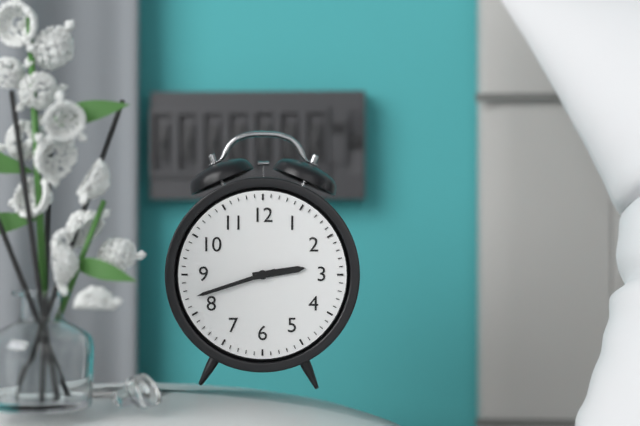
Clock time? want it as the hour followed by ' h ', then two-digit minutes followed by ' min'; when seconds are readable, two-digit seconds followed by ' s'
2 h 42 min
